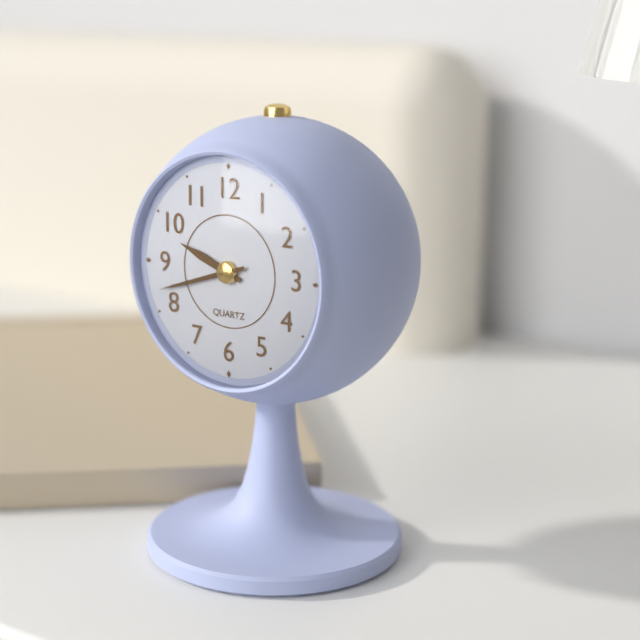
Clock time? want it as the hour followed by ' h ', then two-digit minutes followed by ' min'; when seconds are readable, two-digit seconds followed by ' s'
9 h 42 min
